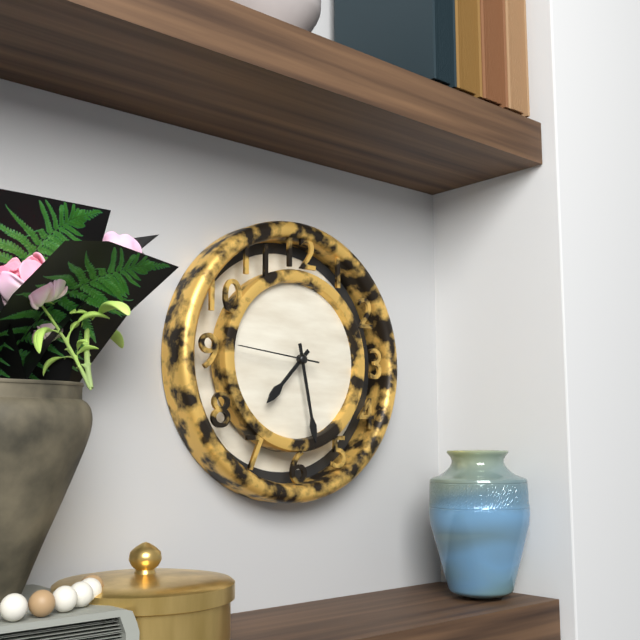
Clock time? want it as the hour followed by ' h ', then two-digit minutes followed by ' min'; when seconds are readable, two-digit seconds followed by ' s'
7 h 28 min 46 s
